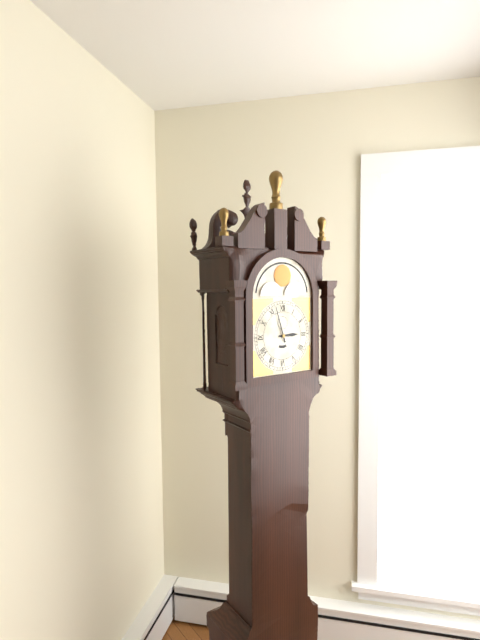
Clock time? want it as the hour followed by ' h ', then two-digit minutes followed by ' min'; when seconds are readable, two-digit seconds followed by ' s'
2 h 57 min
